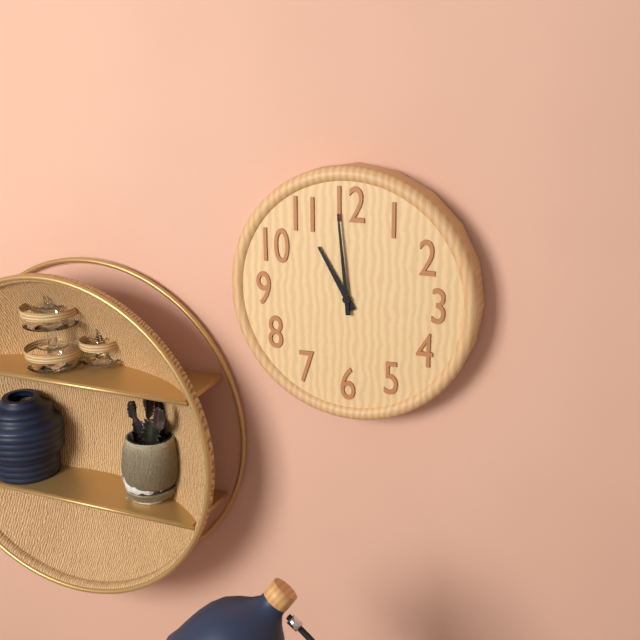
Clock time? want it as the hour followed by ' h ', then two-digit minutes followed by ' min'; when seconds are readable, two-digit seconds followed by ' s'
10 h 59 min
